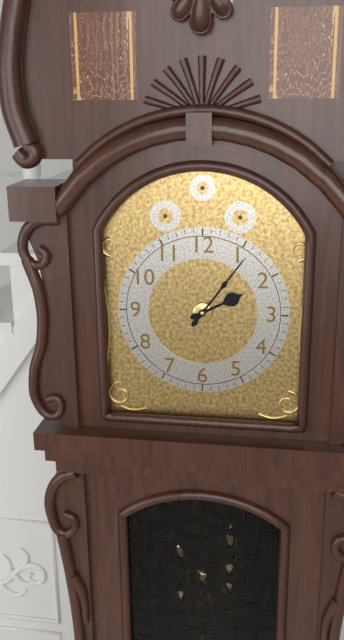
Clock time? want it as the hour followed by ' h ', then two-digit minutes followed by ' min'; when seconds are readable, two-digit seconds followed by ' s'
2 h 06 min
